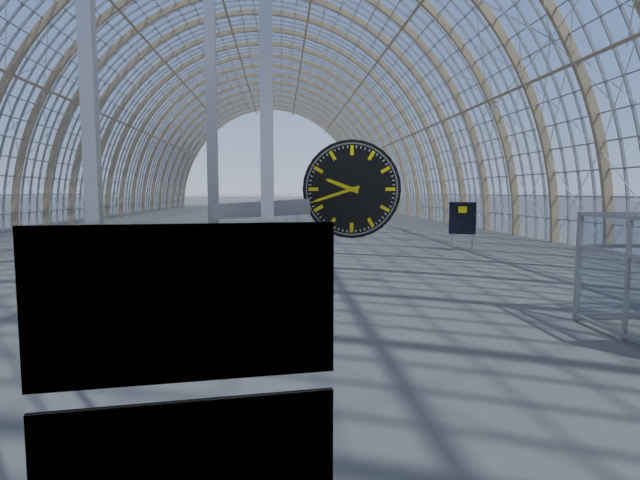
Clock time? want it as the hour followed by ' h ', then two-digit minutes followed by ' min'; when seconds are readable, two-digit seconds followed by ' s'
9 h 42 min
